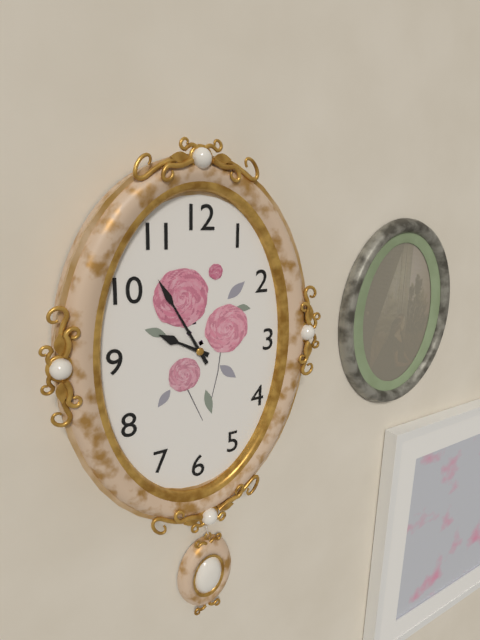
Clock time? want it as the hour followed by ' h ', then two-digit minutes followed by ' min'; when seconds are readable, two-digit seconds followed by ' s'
9 h 55 min
